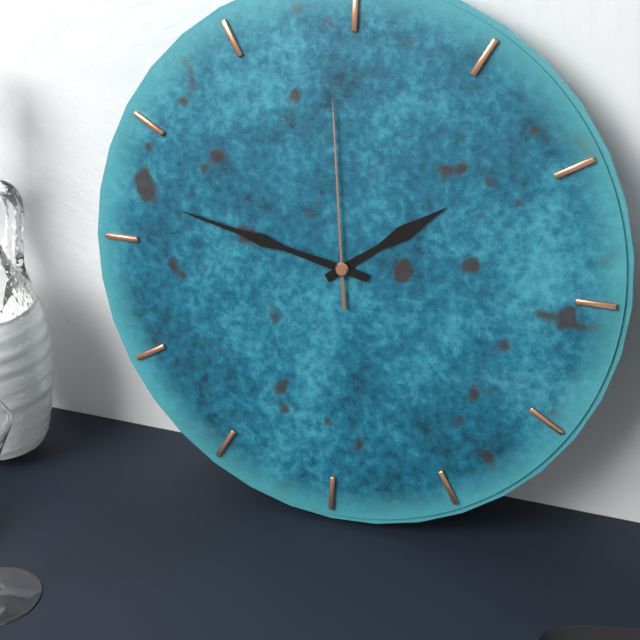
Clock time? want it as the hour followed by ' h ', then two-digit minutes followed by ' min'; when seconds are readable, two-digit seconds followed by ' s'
1 h 47 min 59 s
